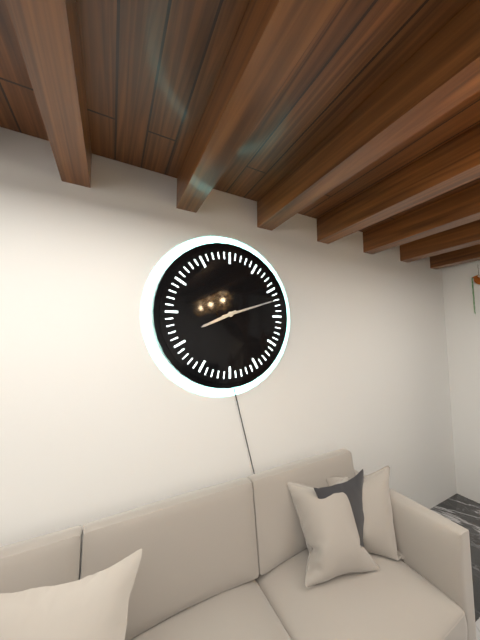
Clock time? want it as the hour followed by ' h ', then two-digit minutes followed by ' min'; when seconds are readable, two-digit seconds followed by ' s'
8 h 12 min
